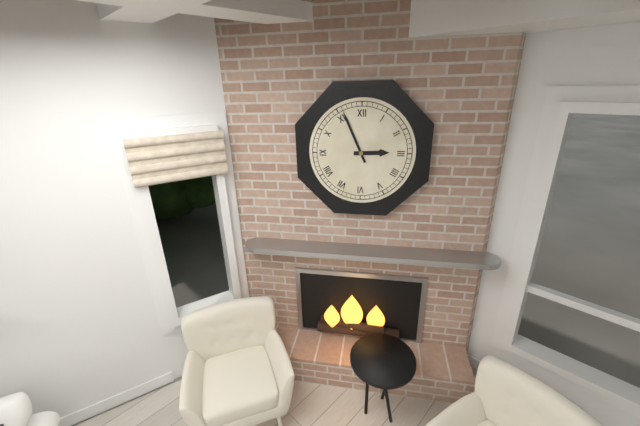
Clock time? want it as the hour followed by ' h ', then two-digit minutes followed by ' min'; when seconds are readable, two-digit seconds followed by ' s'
2 h 56 min
